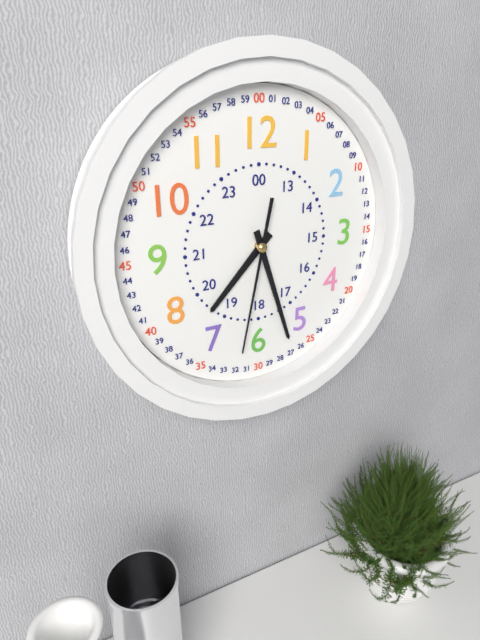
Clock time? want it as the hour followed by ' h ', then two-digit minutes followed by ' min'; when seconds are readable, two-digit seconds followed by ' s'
7 h 27 min 32 s
